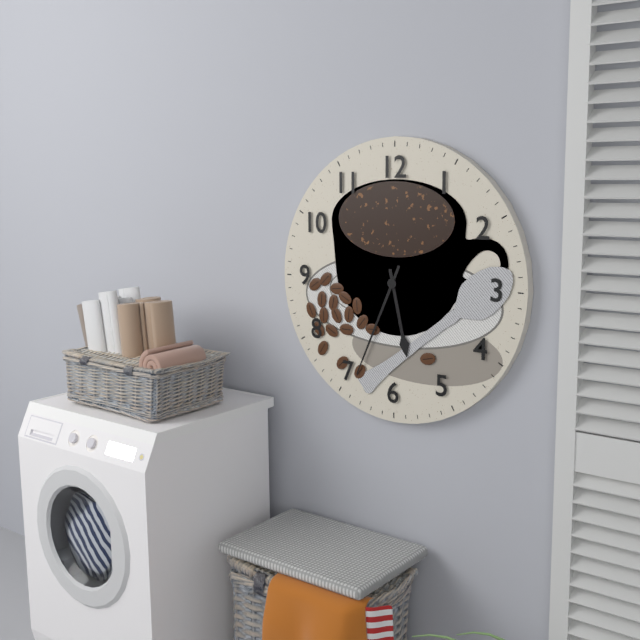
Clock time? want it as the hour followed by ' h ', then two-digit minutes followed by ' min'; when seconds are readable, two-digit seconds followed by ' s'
5 h 34 min
